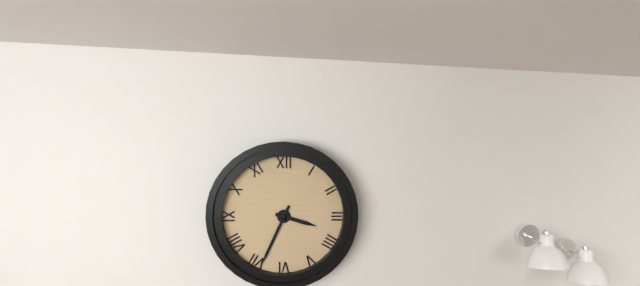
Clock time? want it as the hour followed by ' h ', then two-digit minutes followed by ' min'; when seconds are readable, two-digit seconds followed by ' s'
3 h 34 min
